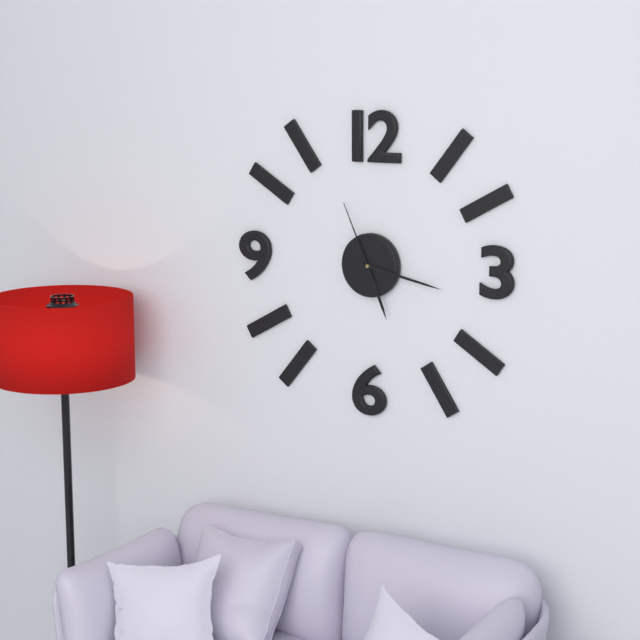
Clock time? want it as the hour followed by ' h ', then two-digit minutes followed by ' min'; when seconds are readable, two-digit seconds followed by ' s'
5 h 17 min 56 s
